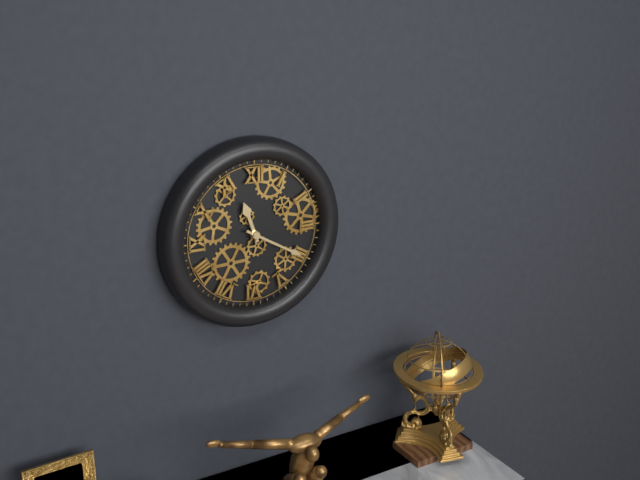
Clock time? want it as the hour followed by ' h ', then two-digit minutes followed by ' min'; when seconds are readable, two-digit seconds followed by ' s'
11 h 20 min
